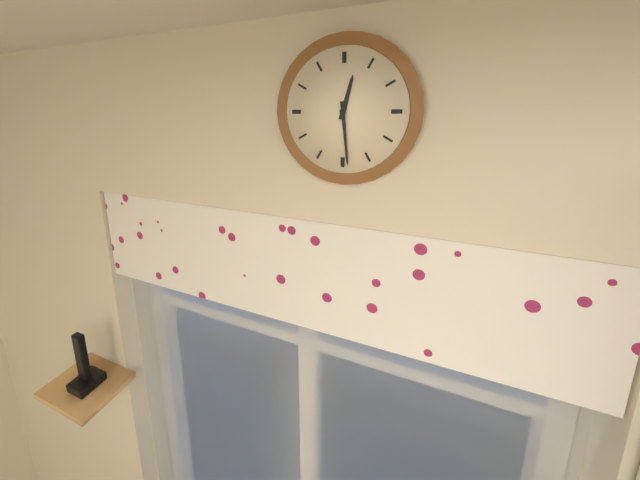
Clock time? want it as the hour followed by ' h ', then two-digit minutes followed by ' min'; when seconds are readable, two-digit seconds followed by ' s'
12 h 29 min
